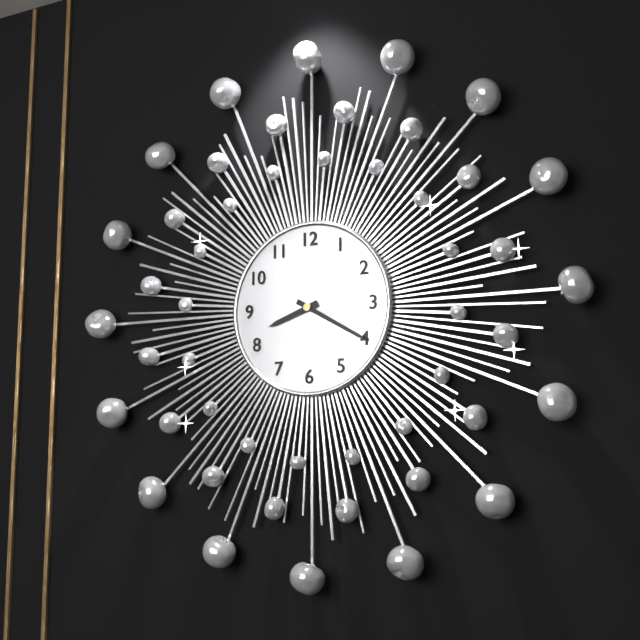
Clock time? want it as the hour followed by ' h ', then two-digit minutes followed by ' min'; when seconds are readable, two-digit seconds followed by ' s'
8 h 20 min
